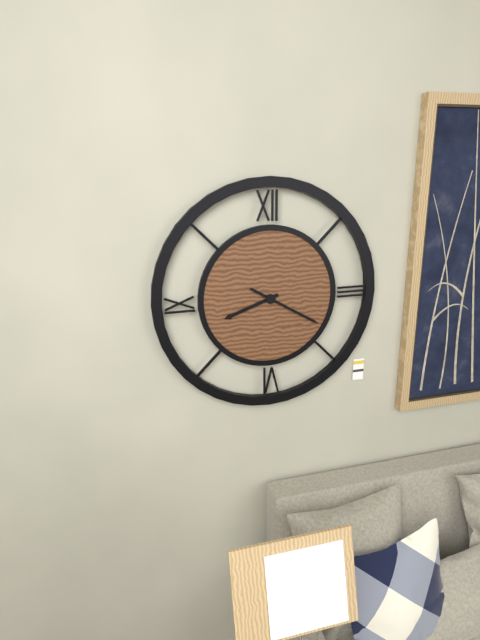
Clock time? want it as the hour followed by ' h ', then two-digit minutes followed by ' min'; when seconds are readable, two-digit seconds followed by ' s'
8 h 20 min
